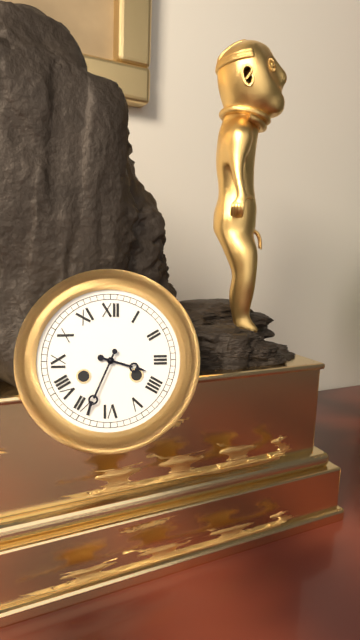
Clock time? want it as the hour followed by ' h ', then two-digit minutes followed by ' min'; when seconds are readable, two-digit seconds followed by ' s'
3 h 34 min
